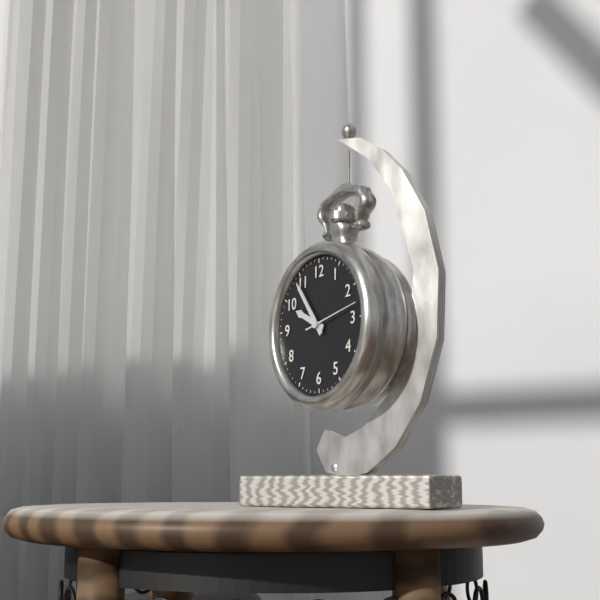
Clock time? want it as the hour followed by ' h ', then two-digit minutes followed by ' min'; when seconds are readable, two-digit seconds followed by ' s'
9 h 54 min 13 s
